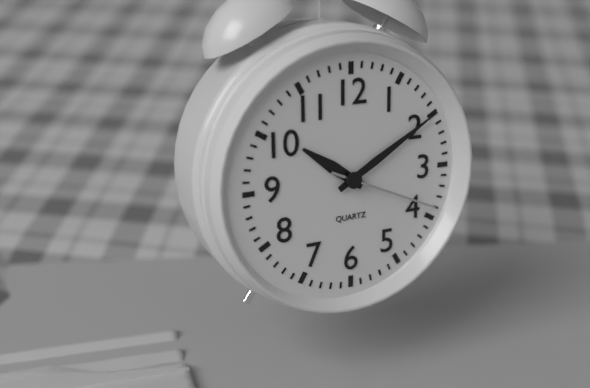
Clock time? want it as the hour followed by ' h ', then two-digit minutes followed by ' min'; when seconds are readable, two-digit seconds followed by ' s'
10 h 10 min 19 s
